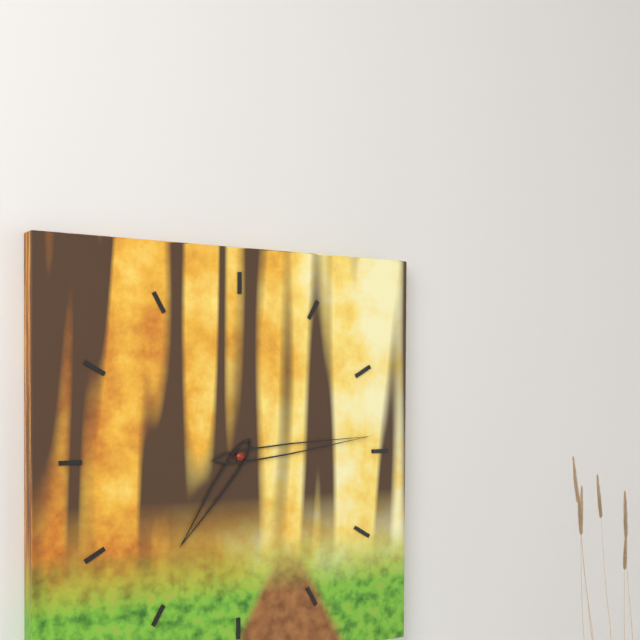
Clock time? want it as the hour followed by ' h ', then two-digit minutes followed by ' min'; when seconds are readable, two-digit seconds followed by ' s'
7 h 14 min
